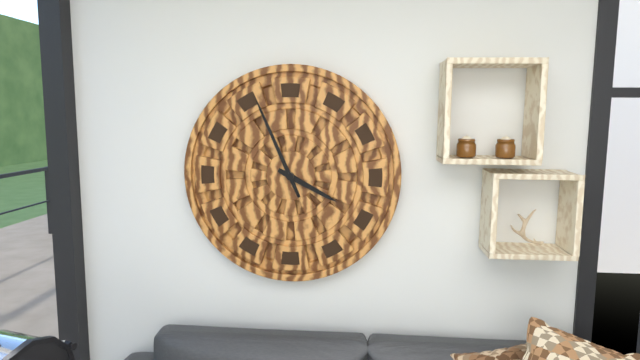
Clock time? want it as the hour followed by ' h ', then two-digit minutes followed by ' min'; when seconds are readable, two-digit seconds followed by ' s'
3 h 56 min
